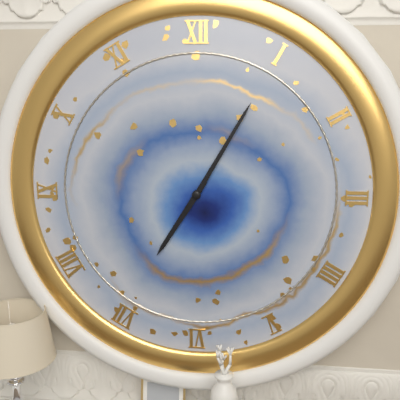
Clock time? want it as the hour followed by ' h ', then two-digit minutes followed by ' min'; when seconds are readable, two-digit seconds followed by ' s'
7 h 05 min
